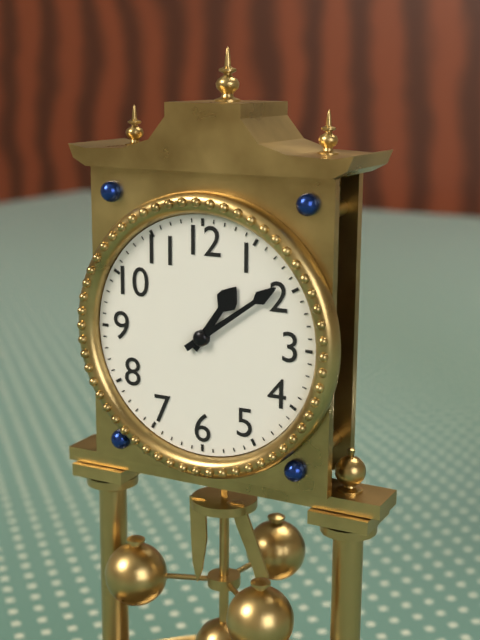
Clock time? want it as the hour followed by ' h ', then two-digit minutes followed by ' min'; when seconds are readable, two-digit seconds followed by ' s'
1 h 09 min
